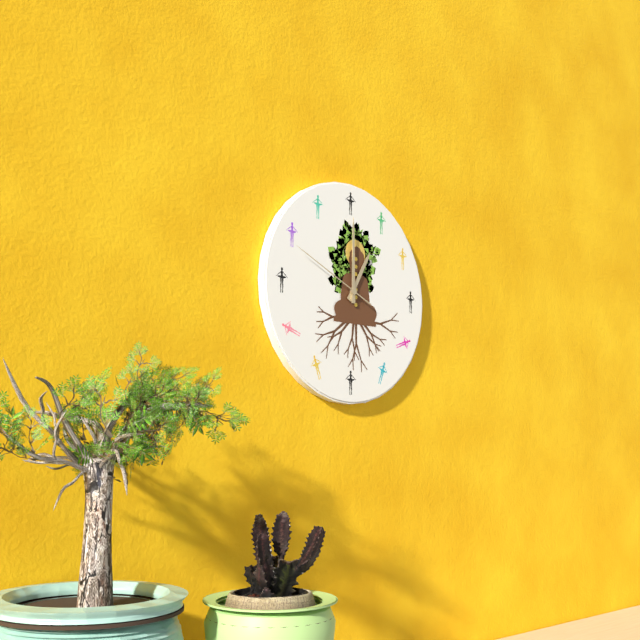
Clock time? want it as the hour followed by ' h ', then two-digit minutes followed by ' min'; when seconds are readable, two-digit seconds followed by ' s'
1 h 00 min 49 s
